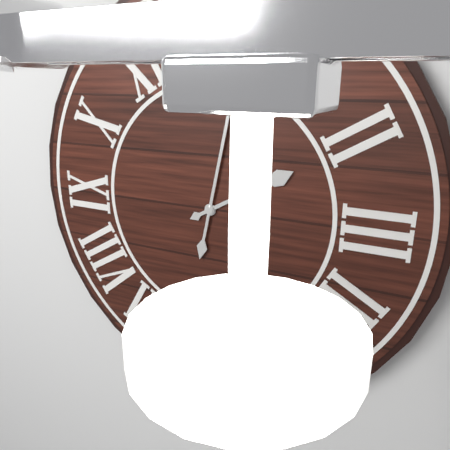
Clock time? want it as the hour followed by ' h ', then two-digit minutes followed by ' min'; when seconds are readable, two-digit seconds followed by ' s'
2 h 02 min
